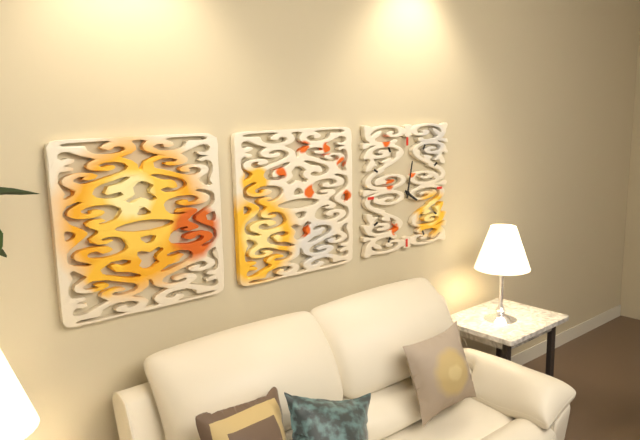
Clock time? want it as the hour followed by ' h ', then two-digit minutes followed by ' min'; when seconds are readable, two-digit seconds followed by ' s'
4 h 02 min
